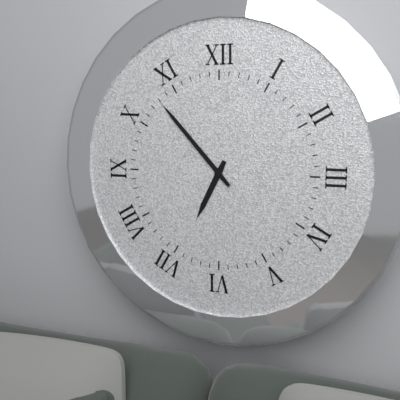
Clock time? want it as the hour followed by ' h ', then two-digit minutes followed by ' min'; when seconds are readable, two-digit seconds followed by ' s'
6 h 53 min
